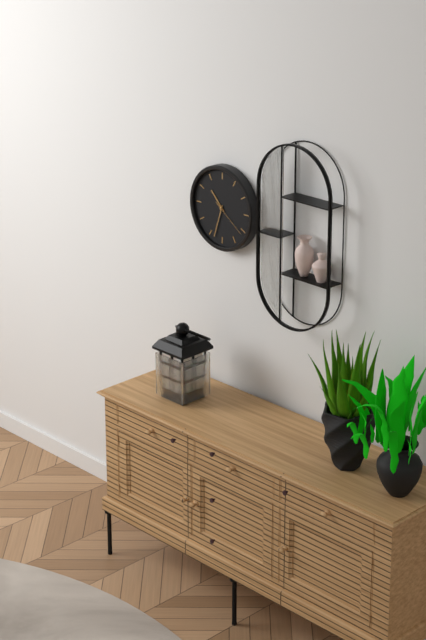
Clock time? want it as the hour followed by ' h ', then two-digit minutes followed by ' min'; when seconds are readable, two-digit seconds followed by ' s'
10 h 33 min
